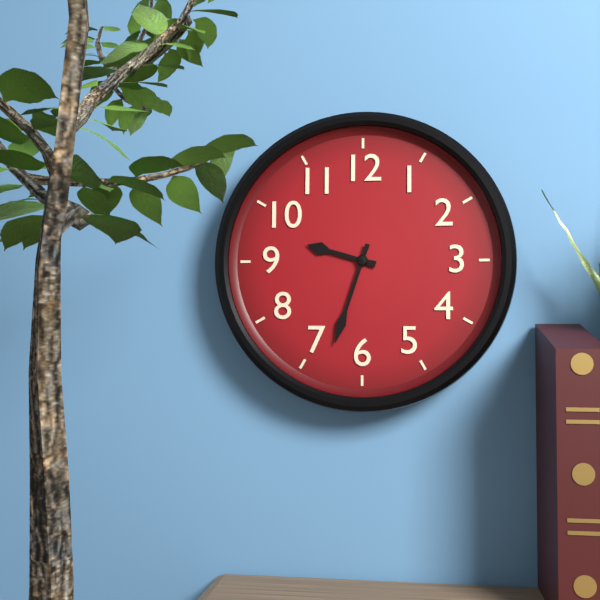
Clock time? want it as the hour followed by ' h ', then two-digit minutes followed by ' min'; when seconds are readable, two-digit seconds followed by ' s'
9 h 33 min
